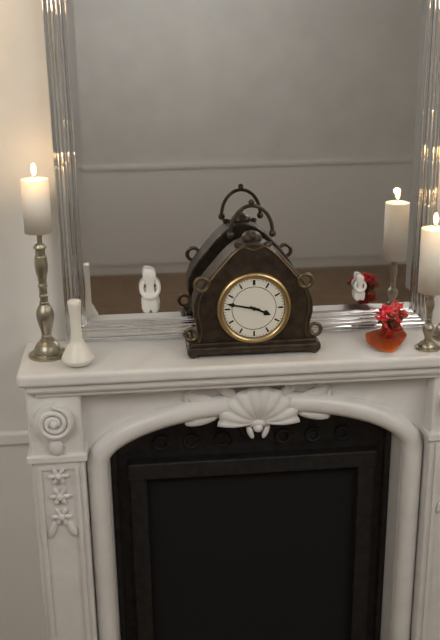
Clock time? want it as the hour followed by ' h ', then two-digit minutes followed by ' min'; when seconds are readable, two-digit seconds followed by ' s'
3 h 47 min
